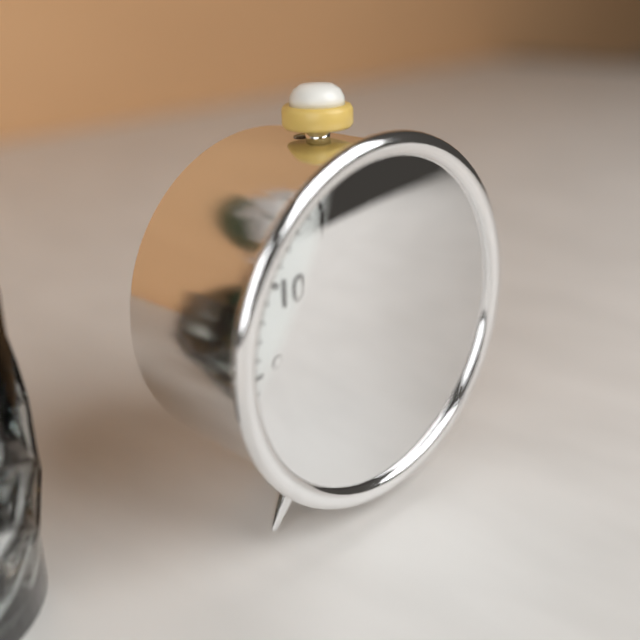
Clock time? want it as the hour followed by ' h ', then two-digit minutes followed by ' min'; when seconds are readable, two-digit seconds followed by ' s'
10 h 41 min
